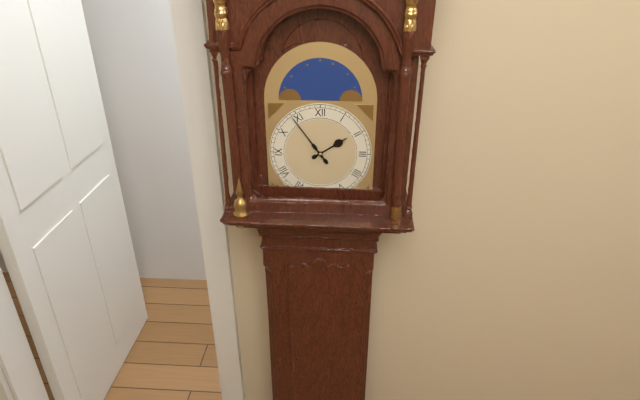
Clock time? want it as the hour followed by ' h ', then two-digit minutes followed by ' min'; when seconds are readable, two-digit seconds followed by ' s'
1 h 54 min
